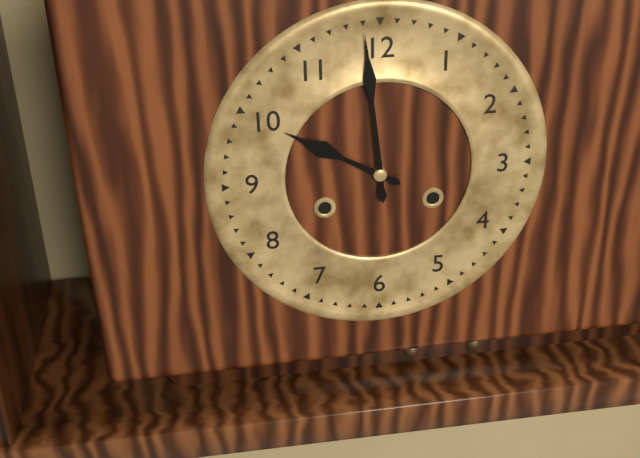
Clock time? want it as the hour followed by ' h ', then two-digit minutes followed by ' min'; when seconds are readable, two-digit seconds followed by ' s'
9 h 59 min
